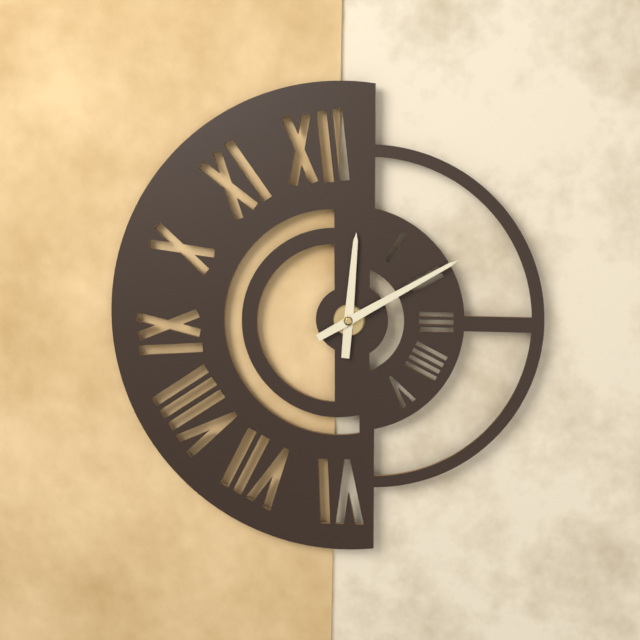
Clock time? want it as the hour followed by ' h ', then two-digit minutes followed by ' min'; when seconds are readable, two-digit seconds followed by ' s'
12 h 10 min
